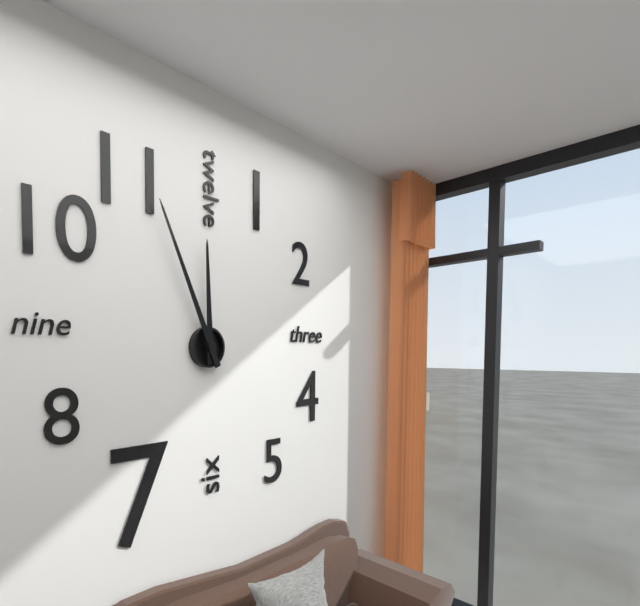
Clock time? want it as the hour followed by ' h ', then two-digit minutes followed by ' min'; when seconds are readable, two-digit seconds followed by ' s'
11 h 56 min
